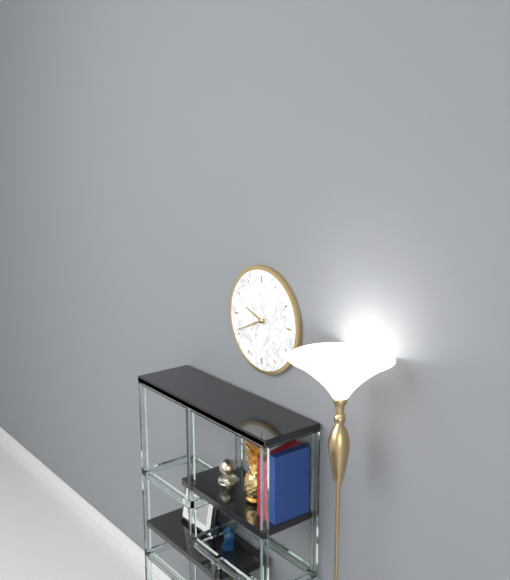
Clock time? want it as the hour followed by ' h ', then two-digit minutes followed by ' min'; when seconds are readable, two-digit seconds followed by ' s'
9 h 41 min
